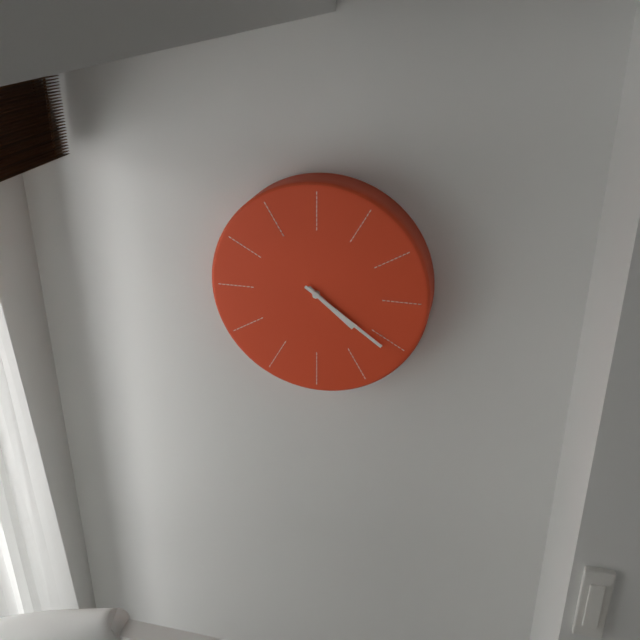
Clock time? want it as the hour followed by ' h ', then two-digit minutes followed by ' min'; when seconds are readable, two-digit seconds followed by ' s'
4 h 21 min
